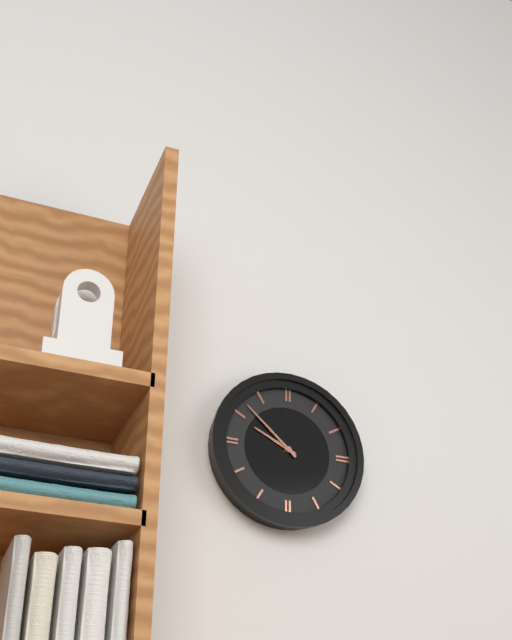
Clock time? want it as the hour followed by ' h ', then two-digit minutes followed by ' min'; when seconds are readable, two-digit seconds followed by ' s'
9 h 52 min
